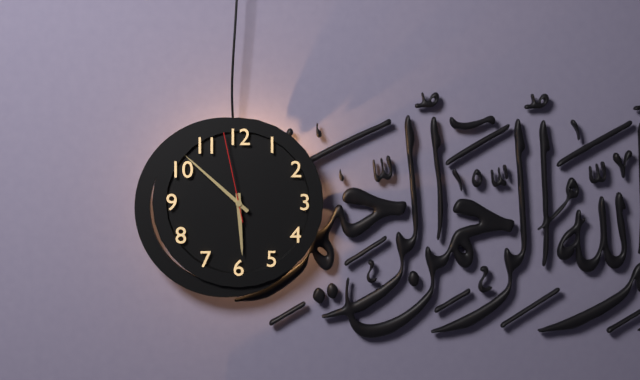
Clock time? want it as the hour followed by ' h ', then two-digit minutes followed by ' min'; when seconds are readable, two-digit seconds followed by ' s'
5 h 52 min 58 s
